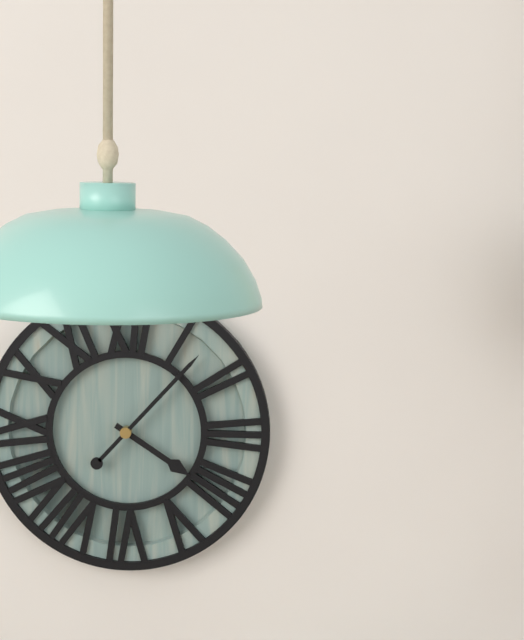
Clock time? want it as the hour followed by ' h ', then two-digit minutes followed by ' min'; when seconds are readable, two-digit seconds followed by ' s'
4 h 07 min
